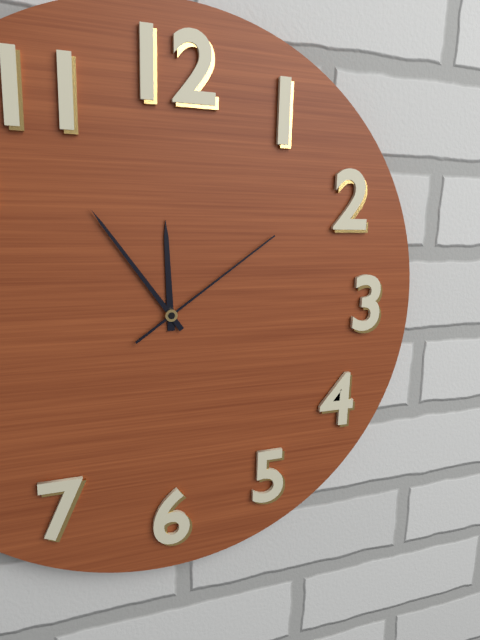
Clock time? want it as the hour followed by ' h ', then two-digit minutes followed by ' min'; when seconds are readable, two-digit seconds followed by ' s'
11 h 54 min 09 s
